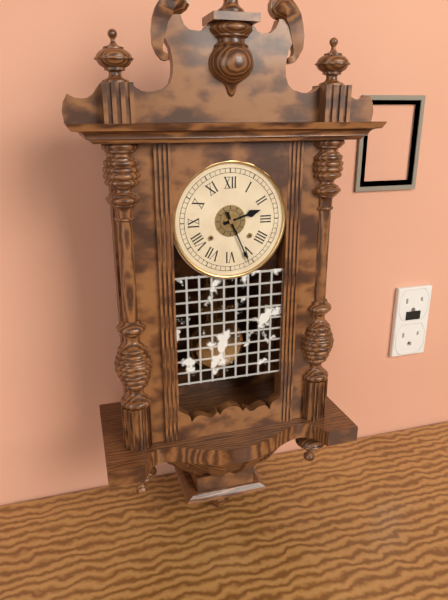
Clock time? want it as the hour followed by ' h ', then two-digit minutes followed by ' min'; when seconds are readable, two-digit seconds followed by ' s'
2 h 26 min
